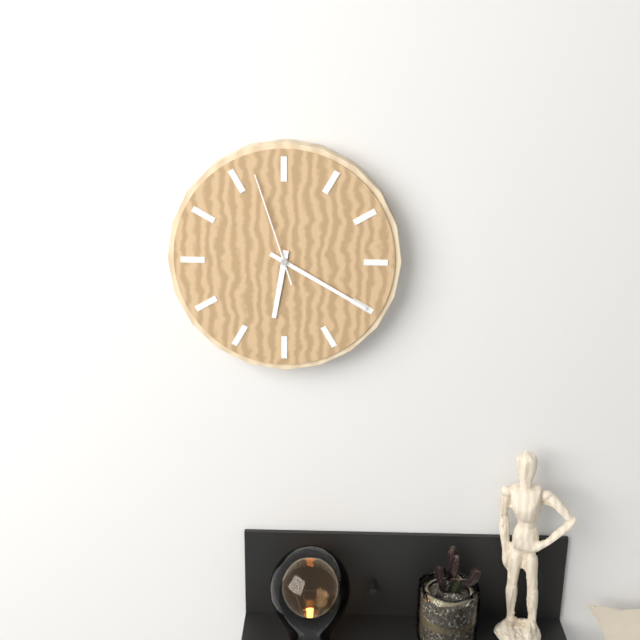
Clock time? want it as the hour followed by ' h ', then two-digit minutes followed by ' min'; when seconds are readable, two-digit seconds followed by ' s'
6 h 20 min 57 s
